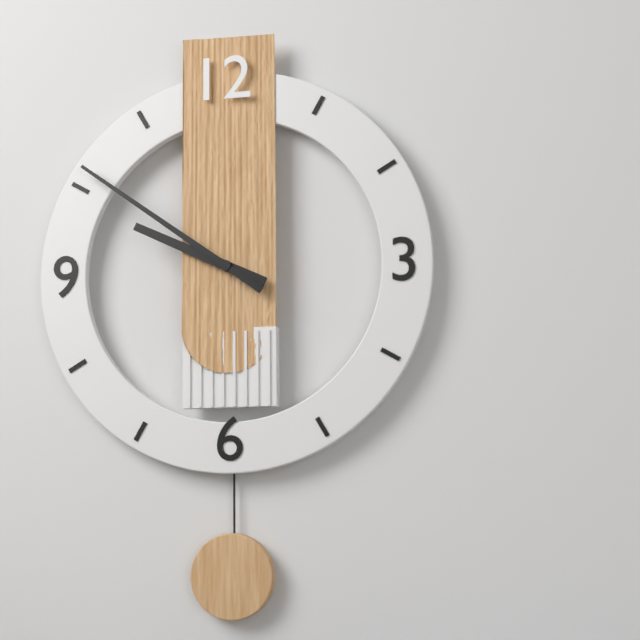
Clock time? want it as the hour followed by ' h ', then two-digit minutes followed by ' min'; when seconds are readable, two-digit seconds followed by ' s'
9 h 51 min
